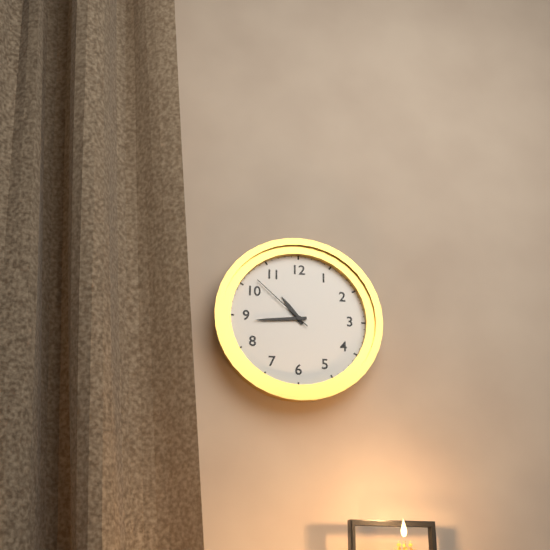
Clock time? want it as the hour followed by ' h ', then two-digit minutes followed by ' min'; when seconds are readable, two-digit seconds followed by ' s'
10 h 44 min 52 s
